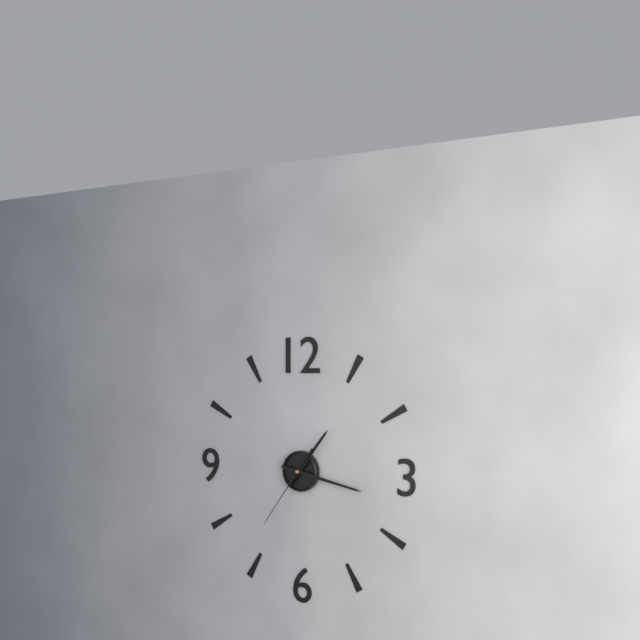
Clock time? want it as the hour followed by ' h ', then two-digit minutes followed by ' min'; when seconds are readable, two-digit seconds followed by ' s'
1 h 17 min 36 s
